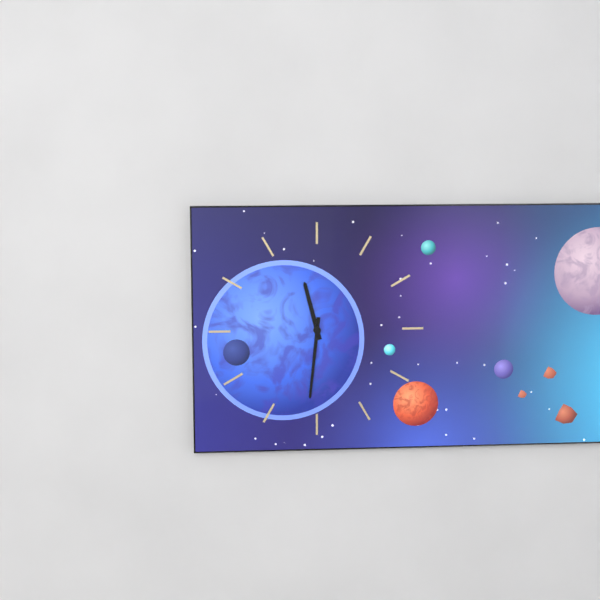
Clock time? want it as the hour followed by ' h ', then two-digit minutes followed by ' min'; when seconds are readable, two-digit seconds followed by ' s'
11 h 31 min
